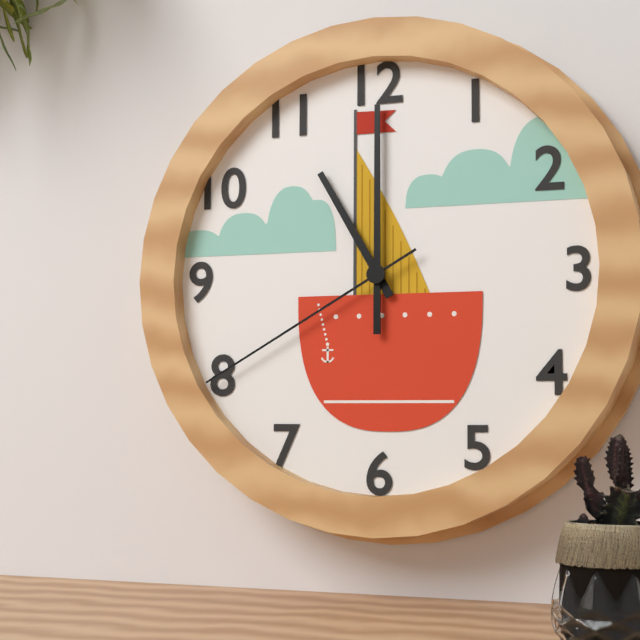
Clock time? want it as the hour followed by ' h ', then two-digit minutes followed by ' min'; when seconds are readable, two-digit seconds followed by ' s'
11 h 00 min 40 s
